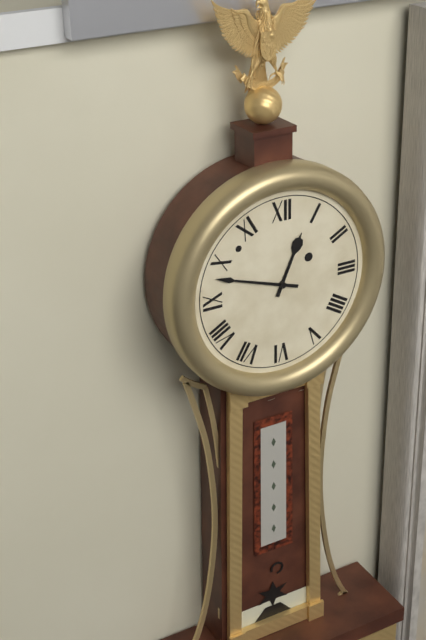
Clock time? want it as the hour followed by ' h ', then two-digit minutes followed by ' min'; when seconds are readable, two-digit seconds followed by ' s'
12 h 48 min
